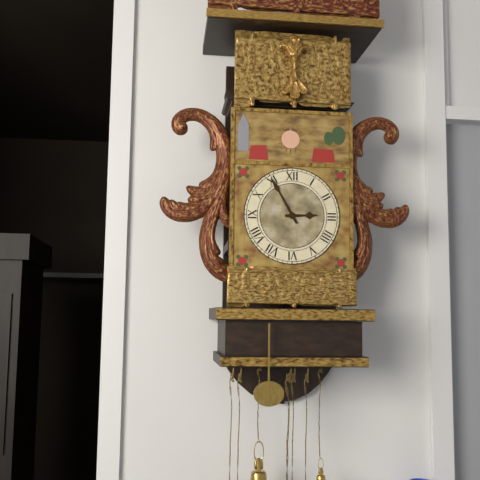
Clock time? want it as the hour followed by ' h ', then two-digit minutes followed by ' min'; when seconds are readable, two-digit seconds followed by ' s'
2 h 55 min
